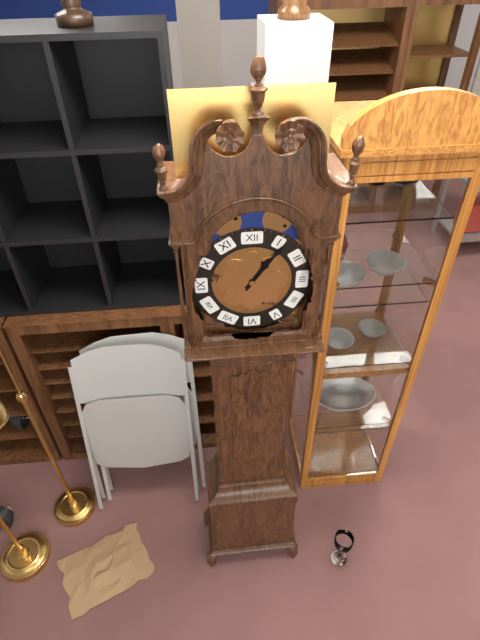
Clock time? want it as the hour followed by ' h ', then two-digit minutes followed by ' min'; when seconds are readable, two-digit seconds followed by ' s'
1 h 06 min
